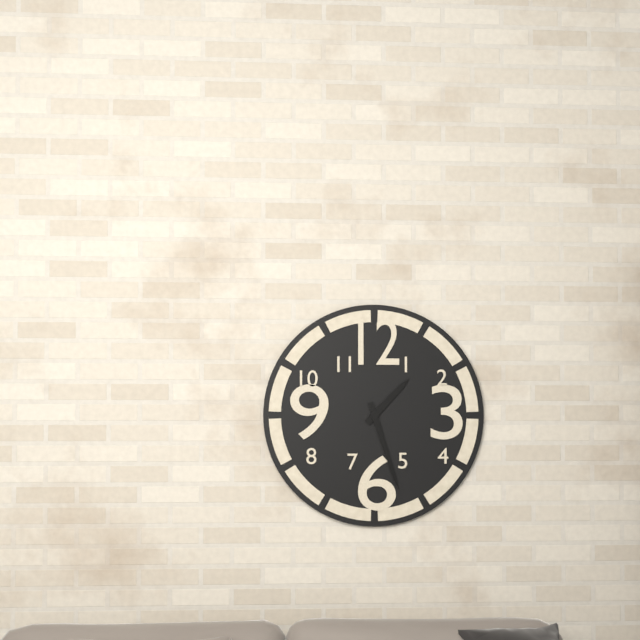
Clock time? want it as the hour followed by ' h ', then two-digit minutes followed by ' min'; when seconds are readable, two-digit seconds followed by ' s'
1 h 27 min
